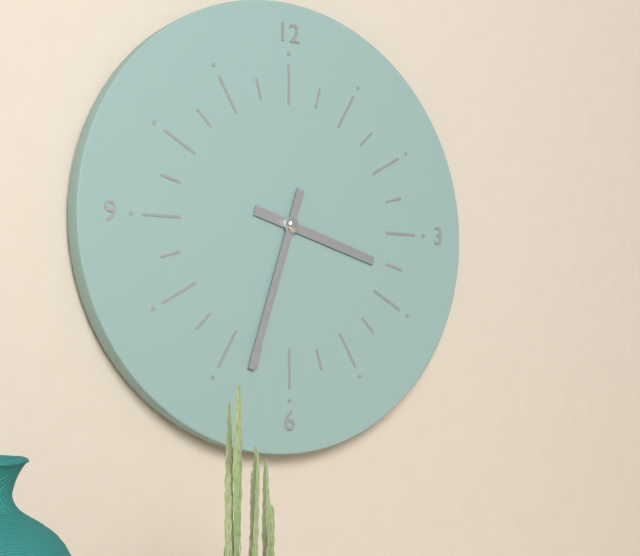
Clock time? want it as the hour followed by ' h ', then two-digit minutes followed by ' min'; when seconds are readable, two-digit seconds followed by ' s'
3 h 33 min
